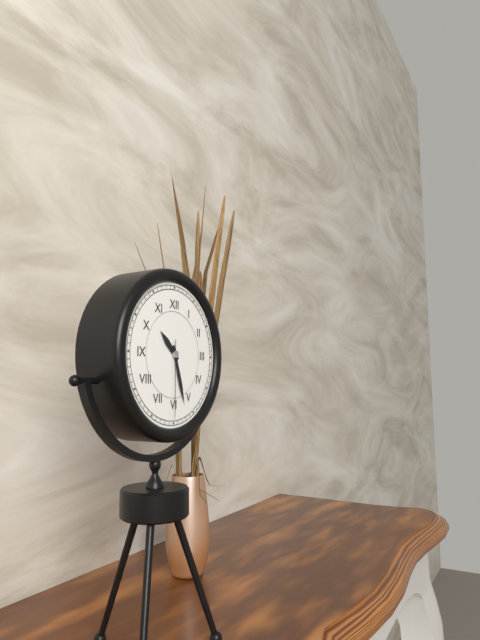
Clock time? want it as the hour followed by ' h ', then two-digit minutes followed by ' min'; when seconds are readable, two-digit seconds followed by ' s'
10 h 27 min 30 s
